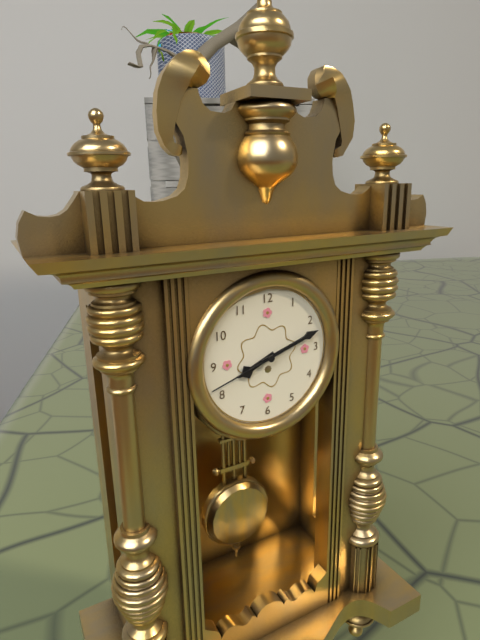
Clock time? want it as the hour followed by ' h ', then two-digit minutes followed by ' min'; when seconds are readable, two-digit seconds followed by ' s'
8 h 12 min 42 s
